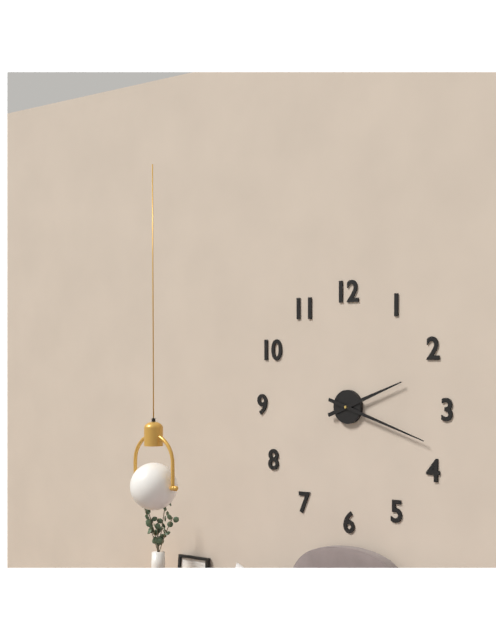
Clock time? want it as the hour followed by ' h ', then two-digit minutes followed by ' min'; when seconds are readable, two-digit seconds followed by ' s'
2 h 18 min
